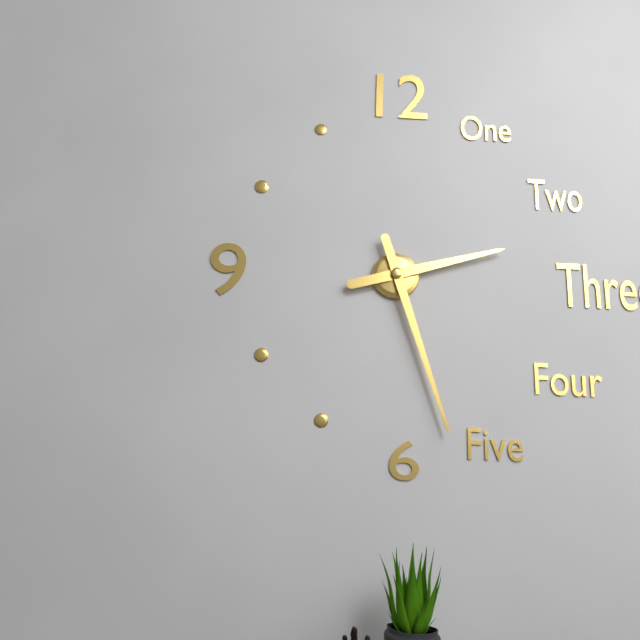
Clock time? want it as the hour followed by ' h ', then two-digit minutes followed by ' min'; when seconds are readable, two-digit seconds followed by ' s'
2 h 27 min
